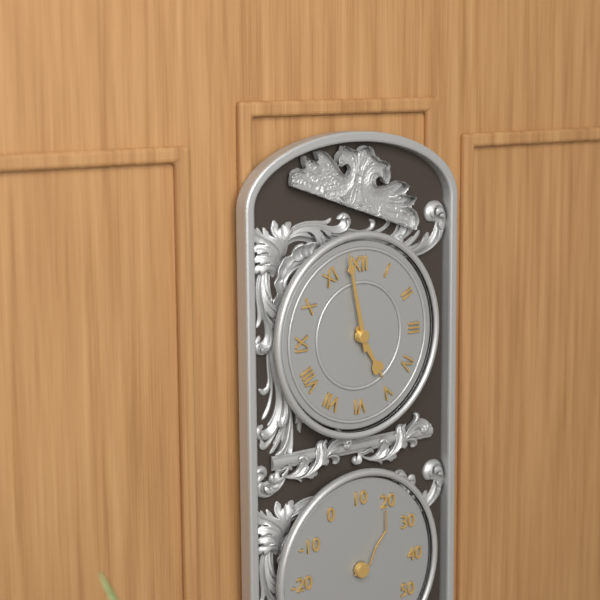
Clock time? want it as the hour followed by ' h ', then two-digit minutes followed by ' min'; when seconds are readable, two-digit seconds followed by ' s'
4 h 58 min
